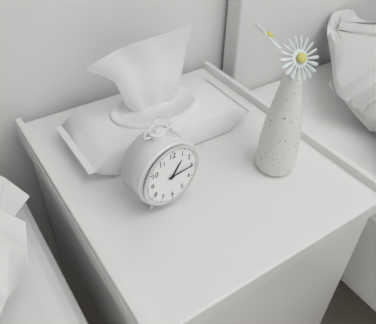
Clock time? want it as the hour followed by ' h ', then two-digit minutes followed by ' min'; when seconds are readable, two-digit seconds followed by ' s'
1 h 15 min
